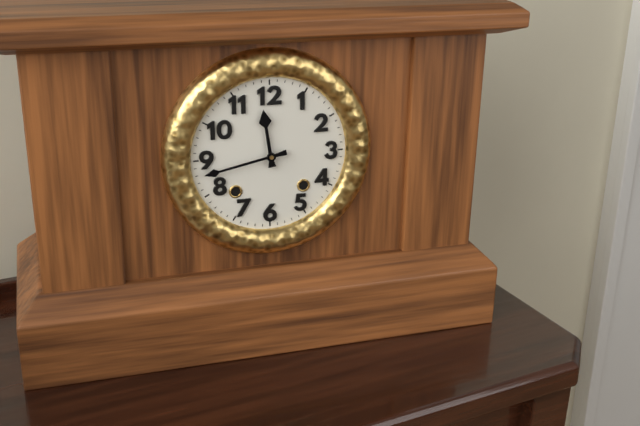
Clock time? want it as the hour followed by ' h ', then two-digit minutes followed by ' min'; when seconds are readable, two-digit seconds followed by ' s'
11 h 43 min
